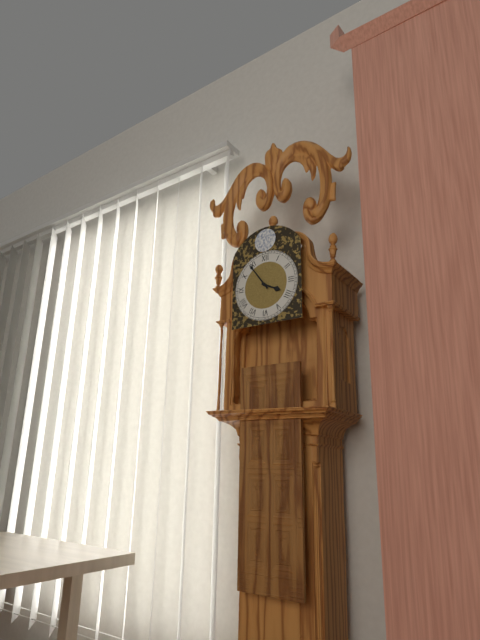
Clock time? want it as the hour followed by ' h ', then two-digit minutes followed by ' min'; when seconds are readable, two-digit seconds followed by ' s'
3 h 54 min
